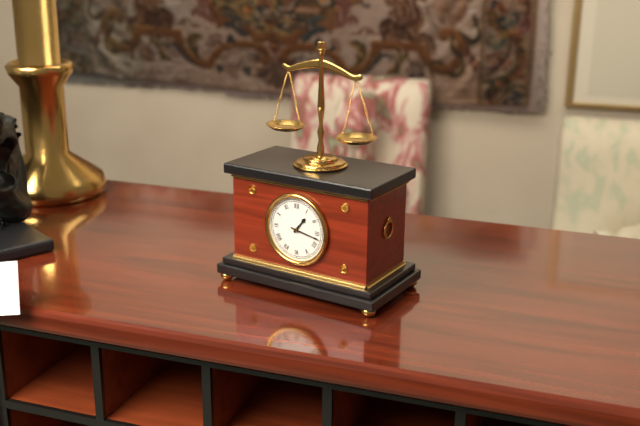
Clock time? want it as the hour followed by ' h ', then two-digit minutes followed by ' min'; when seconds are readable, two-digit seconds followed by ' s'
1 h 17 min
